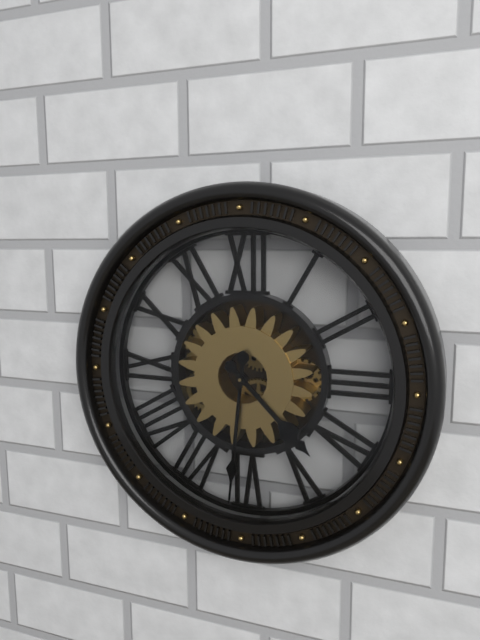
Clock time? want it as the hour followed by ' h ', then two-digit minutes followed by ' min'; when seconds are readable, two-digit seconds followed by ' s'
4 h 31 min
